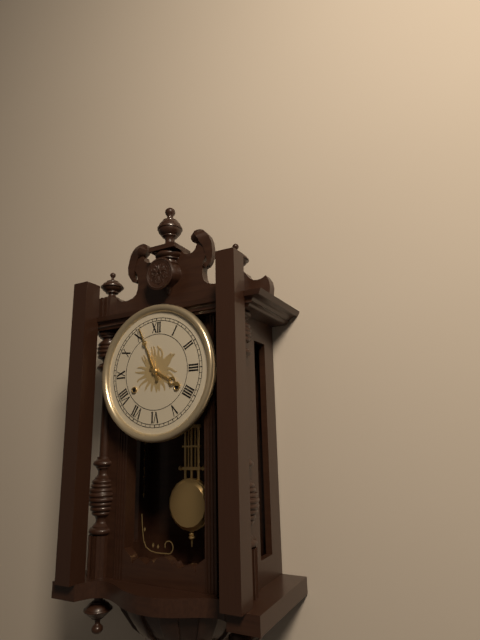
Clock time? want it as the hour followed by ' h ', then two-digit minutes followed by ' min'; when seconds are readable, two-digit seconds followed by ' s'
3 h 56 min
